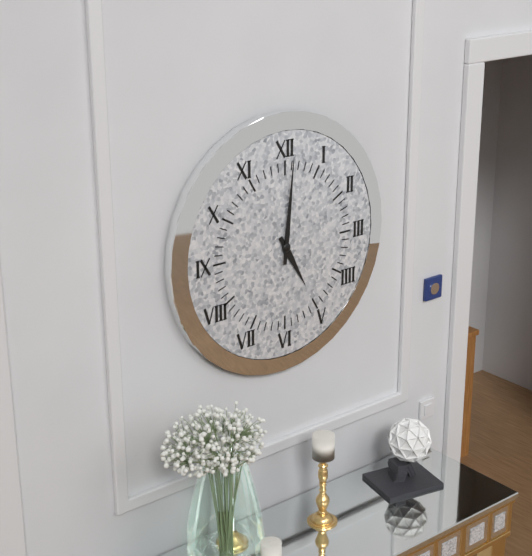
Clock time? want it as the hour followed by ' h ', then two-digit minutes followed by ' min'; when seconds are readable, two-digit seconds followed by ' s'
5 h 01 min
